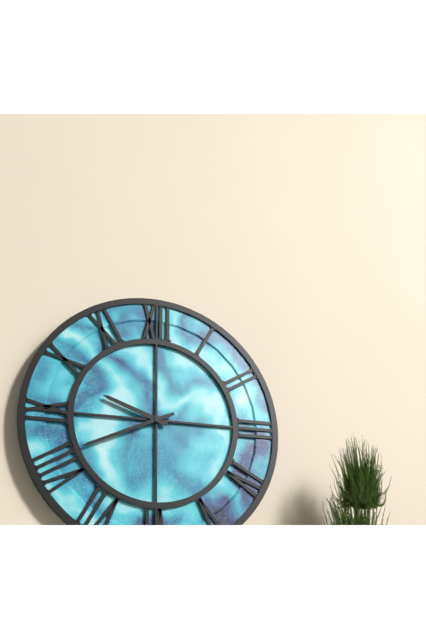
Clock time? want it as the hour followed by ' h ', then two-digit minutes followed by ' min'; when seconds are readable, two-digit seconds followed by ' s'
9 h 41 min
